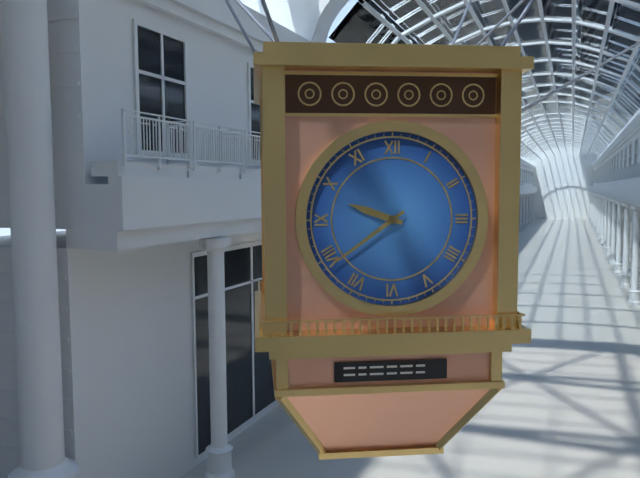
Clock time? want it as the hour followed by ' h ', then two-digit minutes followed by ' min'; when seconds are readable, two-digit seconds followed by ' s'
9 h 39 min
